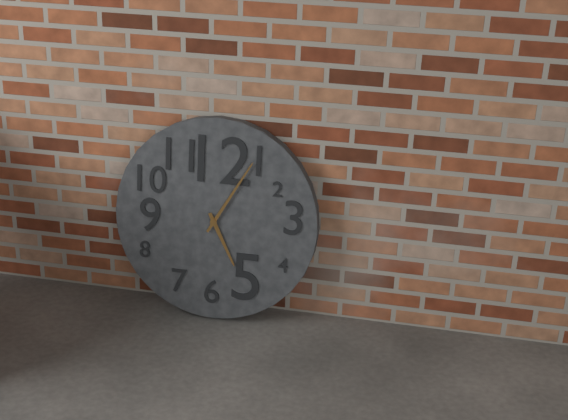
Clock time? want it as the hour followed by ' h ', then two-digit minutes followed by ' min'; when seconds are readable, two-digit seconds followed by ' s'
5 h 05 min
